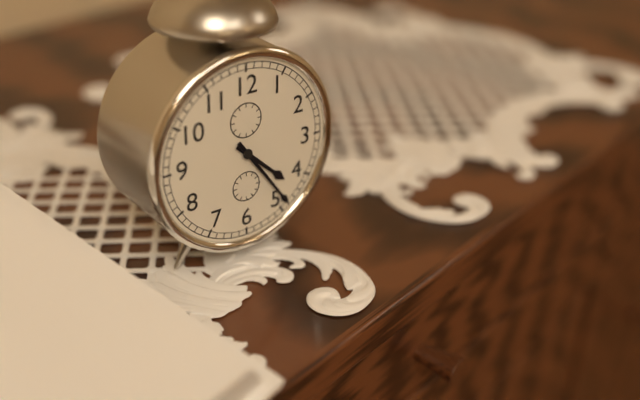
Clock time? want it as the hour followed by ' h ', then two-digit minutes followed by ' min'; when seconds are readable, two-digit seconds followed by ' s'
4 h 24 min
